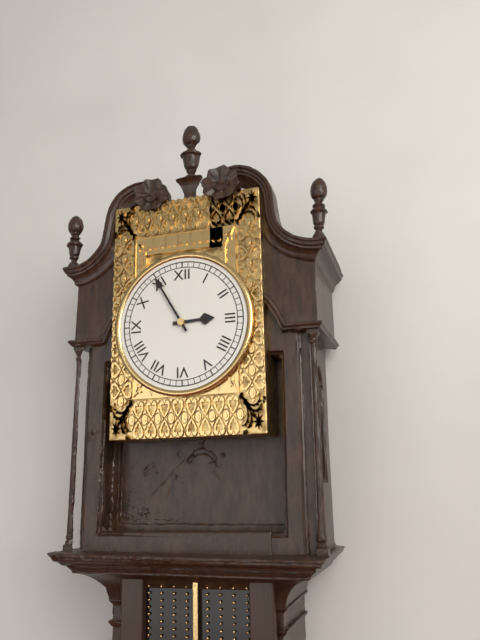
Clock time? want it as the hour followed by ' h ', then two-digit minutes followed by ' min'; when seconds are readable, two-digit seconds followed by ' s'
2 h 55 min
